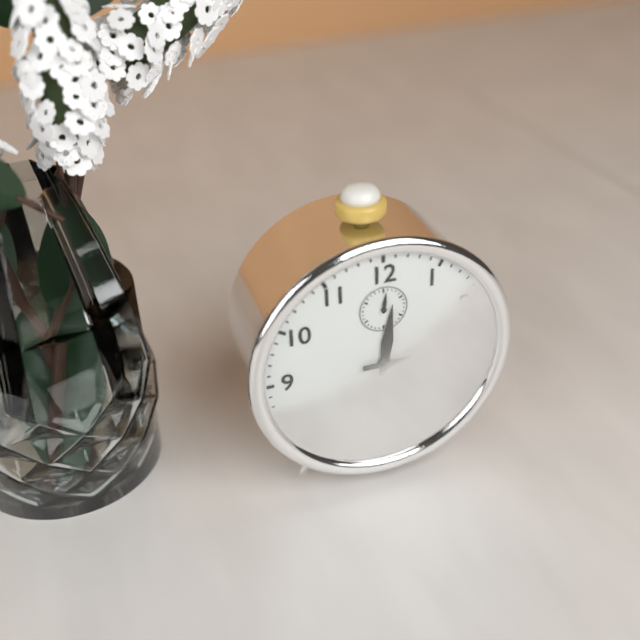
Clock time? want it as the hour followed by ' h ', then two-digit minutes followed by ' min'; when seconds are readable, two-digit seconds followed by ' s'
12 h 15 min
